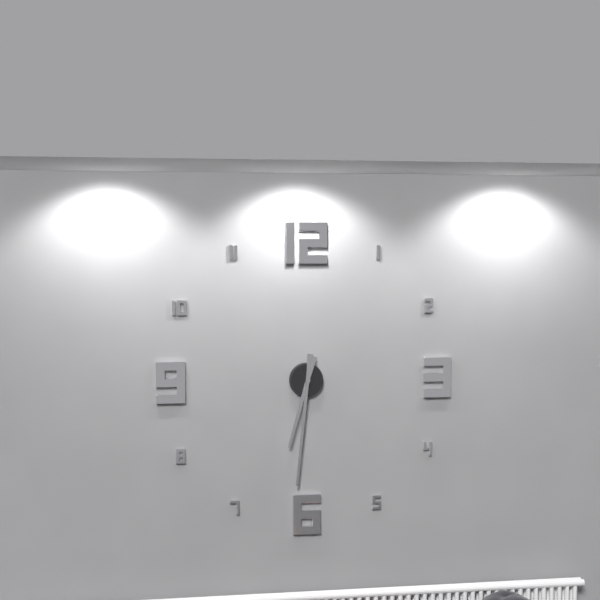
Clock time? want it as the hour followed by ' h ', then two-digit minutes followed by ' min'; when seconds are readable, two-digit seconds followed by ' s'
6 h 31 min
